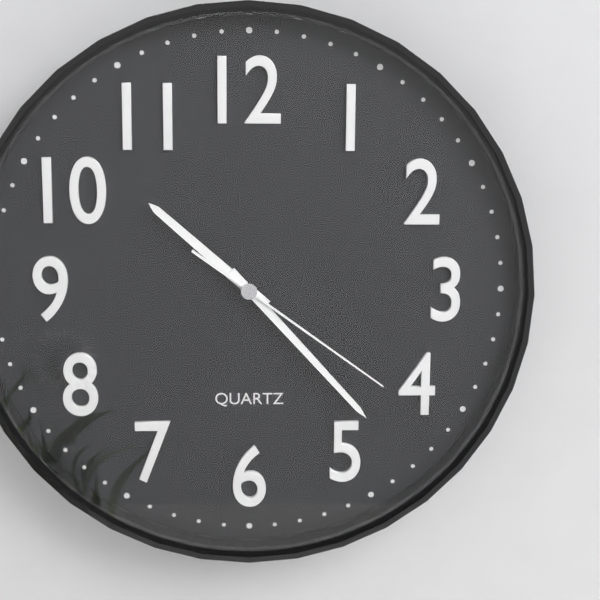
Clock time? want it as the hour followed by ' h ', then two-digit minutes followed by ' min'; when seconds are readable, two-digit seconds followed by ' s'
10 h 23 min 21 s
